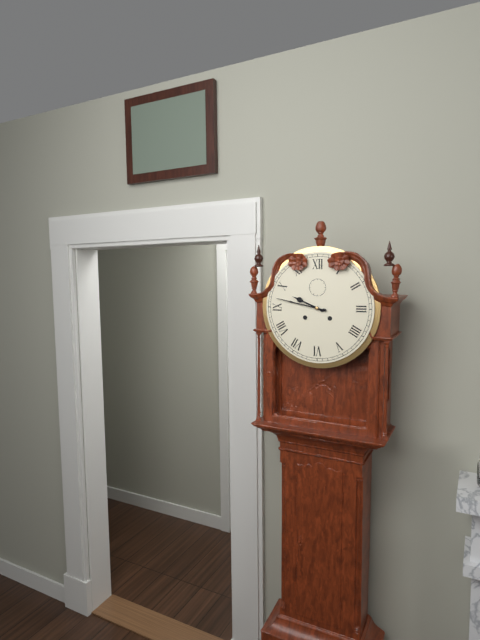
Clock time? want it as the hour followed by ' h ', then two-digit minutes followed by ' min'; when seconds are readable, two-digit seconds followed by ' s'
9 h 47 min
